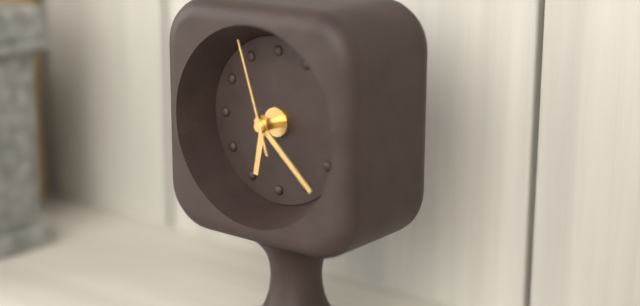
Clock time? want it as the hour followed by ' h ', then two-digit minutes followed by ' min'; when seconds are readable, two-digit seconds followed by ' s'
6 h 22 min 57 s
